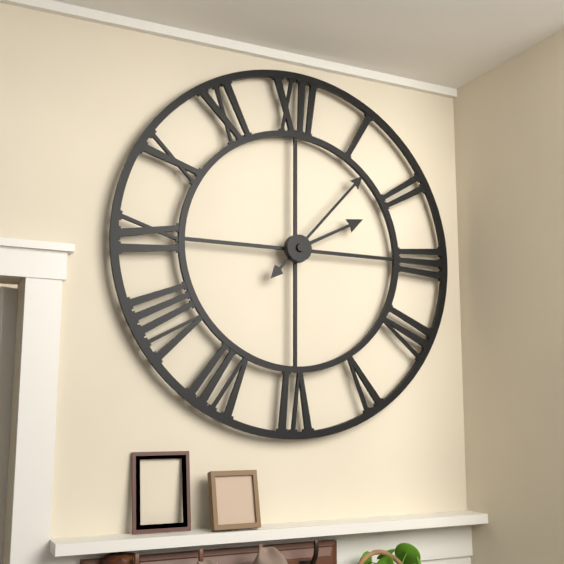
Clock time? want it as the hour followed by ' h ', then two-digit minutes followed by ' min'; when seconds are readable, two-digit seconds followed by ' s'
2 h 07 min
